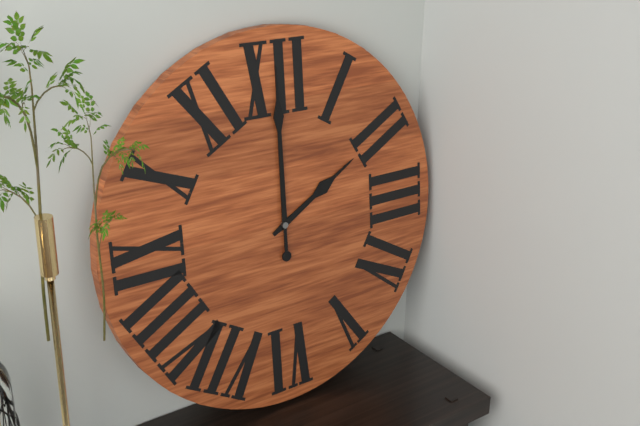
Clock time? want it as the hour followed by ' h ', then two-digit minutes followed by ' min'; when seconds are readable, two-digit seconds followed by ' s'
2 h 00 min
